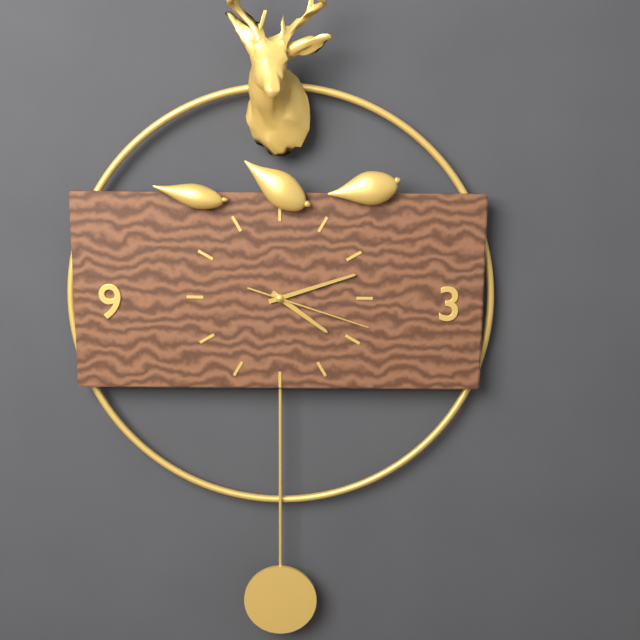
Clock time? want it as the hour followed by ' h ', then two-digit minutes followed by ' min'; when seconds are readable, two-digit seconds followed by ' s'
4 h 12 min 18 s
